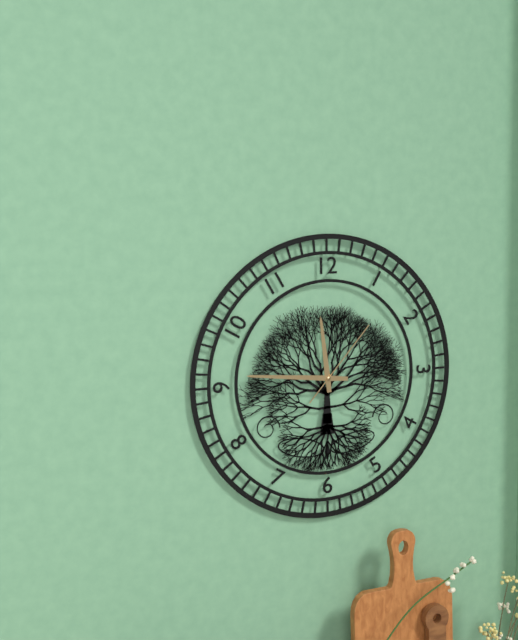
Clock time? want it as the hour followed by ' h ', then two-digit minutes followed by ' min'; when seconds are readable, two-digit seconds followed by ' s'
11 h 46 min 07 s
